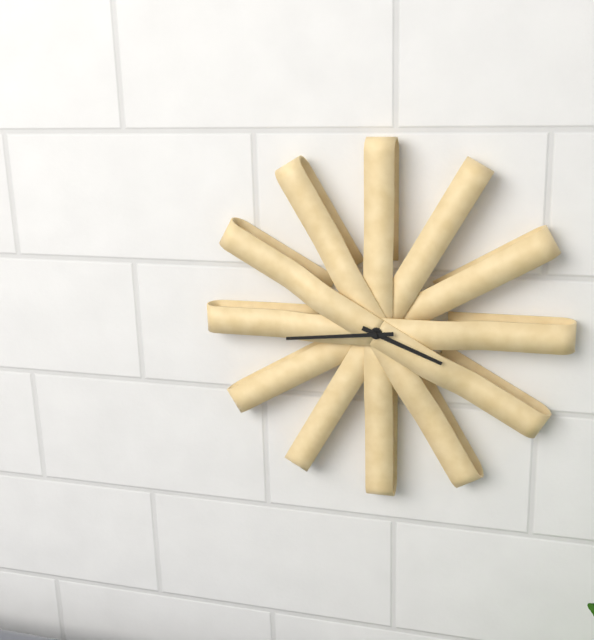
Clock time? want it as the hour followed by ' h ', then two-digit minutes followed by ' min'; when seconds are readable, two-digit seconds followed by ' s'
3 h 44 min
